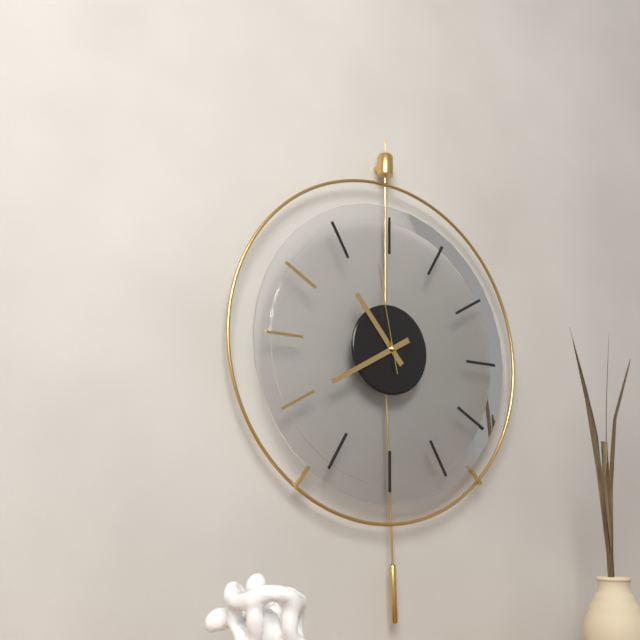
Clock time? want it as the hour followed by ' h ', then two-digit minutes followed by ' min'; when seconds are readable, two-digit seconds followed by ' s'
10 h 40 min 58 s
